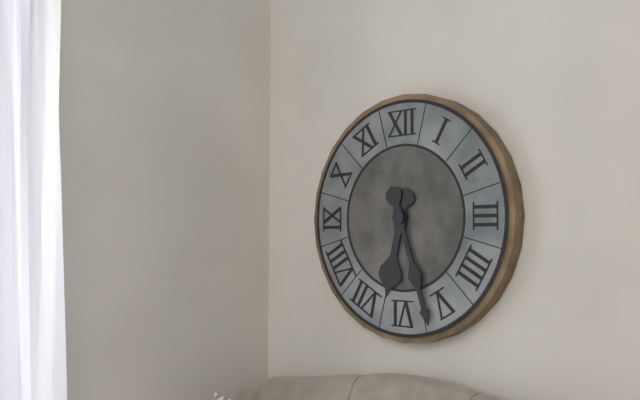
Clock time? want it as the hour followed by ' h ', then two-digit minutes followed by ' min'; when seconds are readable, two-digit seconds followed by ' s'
6 h 27 min
